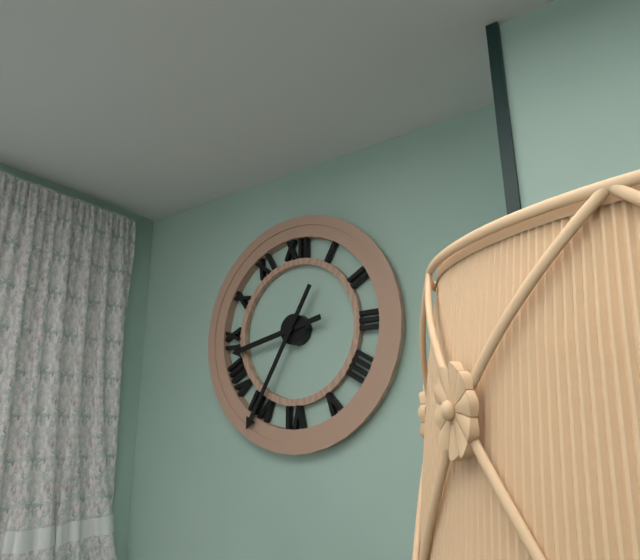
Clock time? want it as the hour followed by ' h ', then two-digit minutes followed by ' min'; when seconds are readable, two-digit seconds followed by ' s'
8 h 35 min
